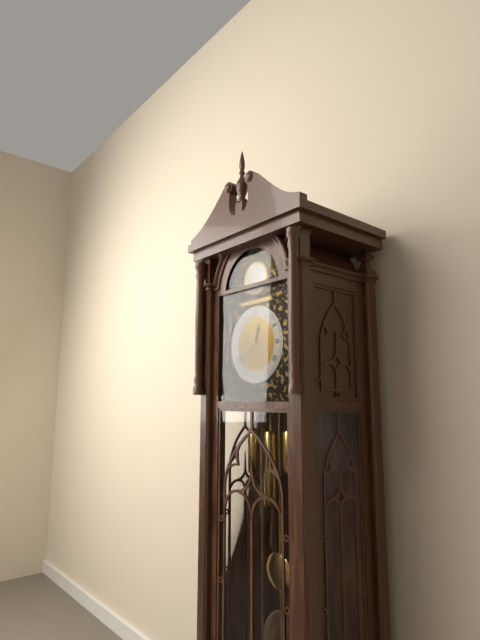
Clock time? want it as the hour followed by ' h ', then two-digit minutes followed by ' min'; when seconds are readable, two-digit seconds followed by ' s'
12 h 39 min
